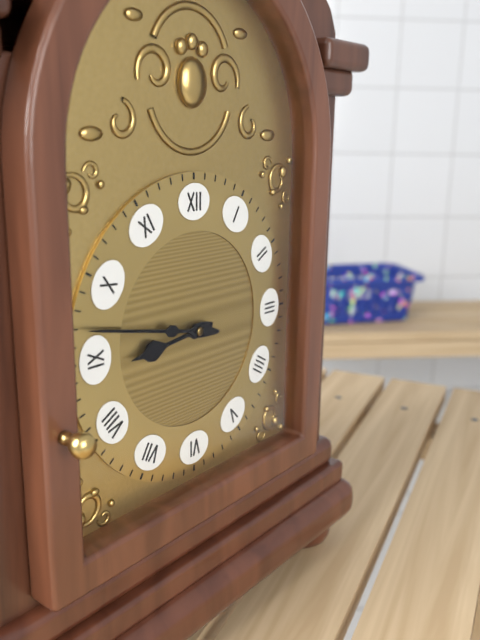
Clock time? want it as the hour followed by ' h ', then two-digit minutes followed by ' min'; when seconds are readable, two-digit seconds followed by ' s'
8 h 47 min
